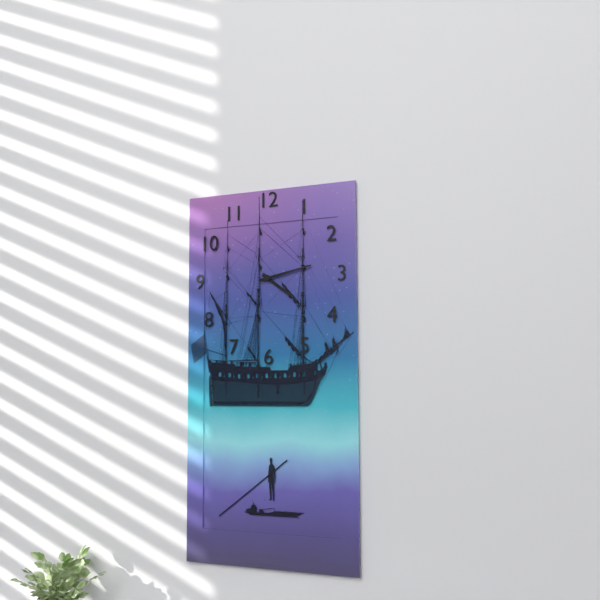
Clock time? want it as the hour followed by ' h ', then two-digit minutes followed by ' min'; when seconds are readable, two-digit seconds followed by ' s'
4 h 13 min
